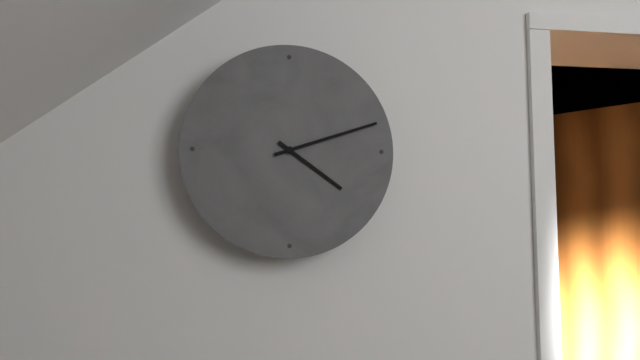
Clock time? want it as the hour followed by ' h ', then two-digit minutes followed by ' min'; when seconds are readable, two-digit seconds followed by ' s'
4 h 12 min
